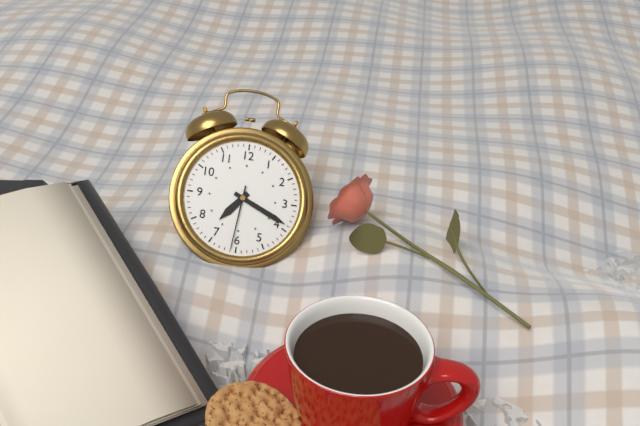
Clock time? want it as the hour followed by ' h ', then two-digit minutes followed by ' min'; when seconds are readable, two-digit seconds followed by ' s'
7 h 19 min 31 s
